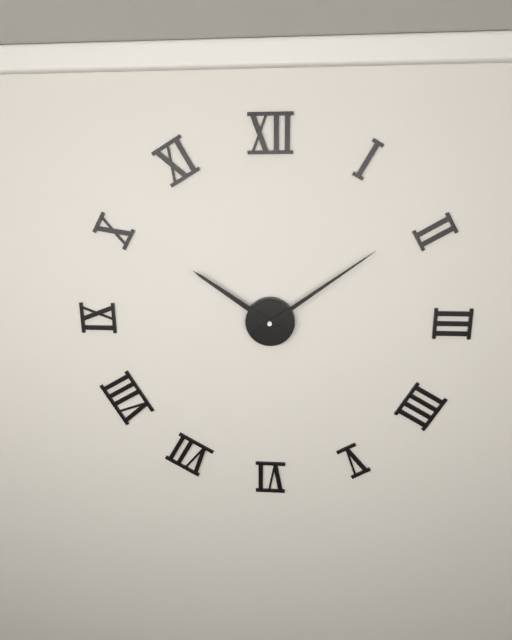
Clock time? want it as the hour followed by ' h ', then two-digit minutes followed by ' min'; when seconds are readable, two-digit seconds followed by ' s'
10 h 09 min
